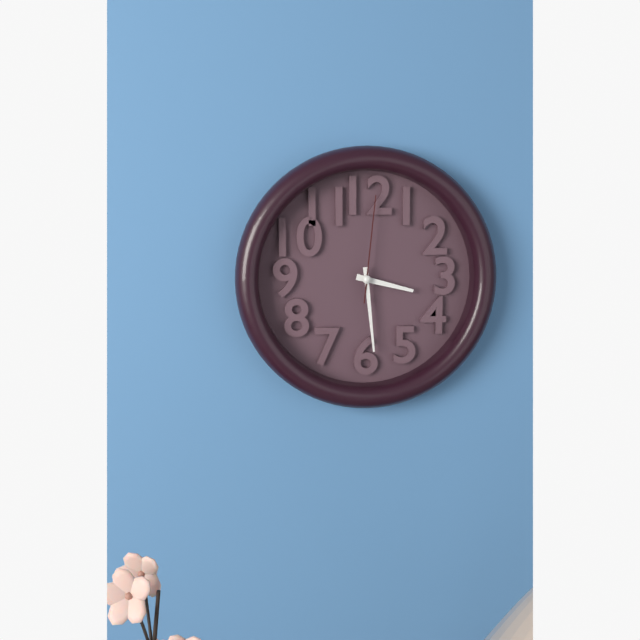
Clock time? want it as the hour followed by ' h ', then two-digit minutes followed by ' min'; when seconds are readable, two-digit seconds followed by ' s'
3 h 29 min 01 s
